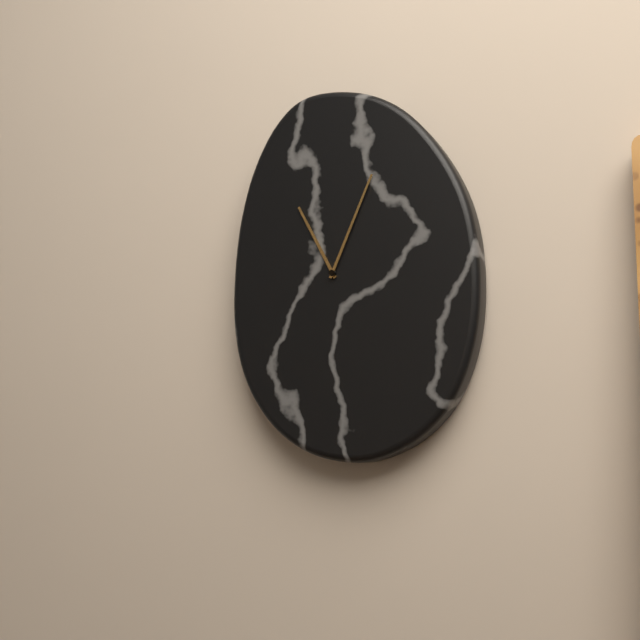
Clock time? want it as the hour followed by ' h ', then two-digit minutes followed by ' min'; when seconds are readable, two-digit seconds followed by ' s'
11 h 04 min
